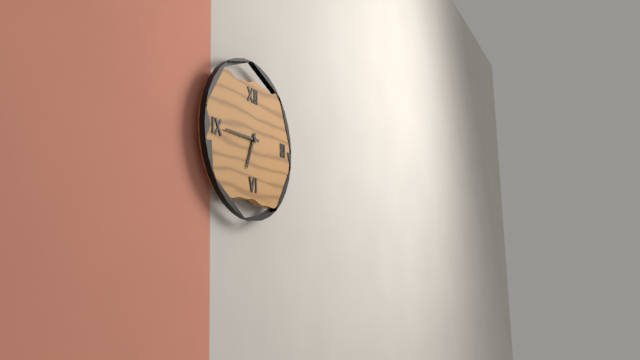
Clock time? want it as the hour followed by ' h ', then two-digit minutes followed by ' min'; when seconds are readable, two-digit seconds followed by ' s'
6 h 45 min
